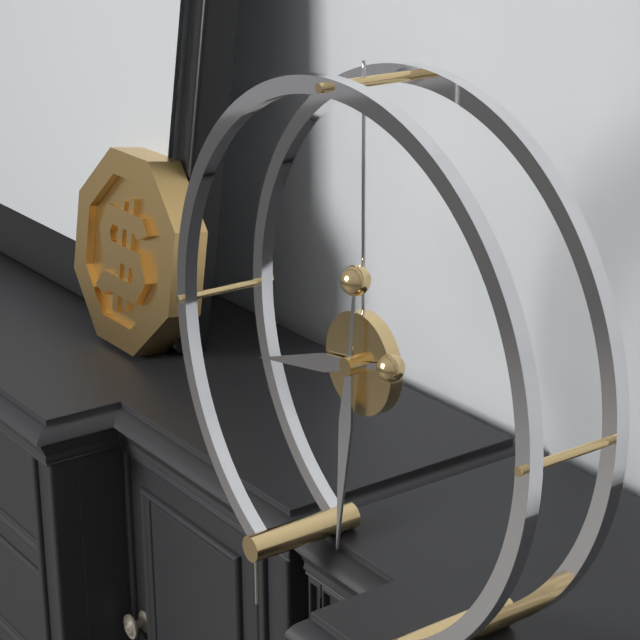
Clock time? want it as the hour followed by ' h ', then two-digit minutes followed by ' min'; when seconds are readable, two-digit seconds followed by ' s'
8 h 31 min
